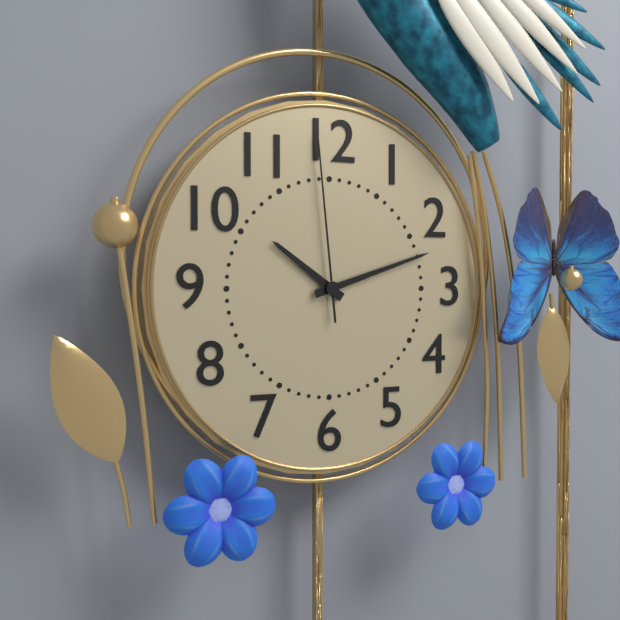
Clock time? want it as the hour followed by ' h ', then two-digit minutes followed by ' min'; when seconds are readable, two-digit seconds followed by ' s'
10 h 12 min 59 s
